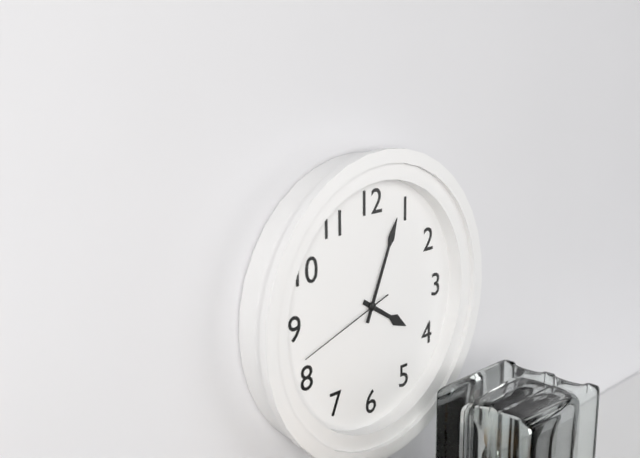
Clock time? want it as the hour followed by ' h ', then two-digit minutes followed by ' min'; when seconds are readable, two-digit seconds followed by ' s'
4 h 04 min 42 s
